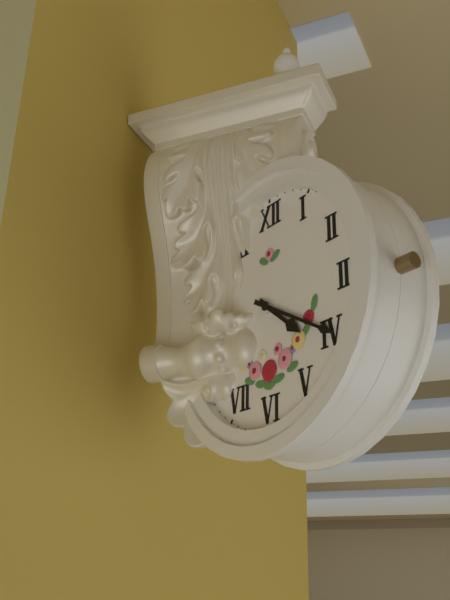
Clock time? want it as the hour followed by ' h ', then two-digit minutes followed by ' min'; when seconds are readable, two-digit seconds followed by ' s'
4 h 20 min
